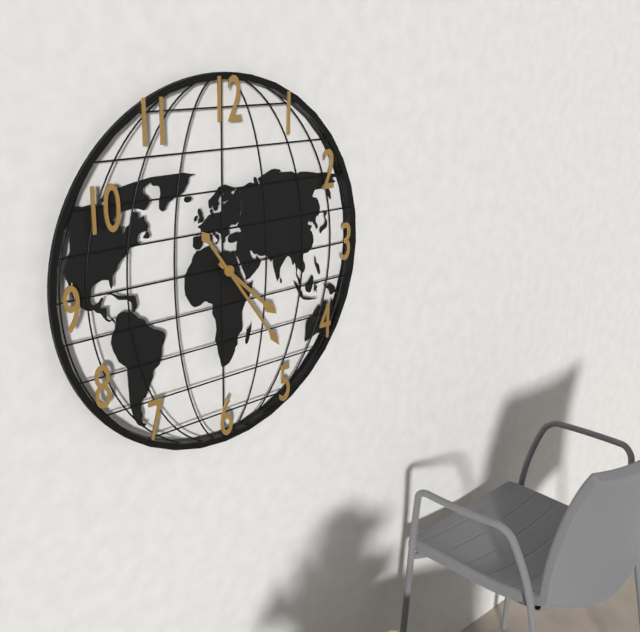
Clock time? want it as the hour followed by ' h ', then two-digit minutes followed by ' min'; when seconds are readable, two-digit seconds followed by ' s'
4 h 24 min
